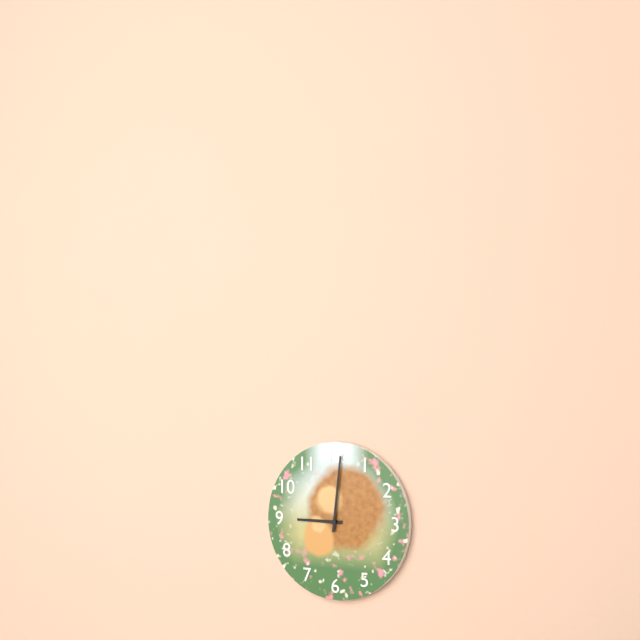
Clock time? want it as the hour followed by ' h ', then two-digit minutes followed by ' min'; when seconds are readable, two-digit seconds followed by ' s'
9 h 01 min
